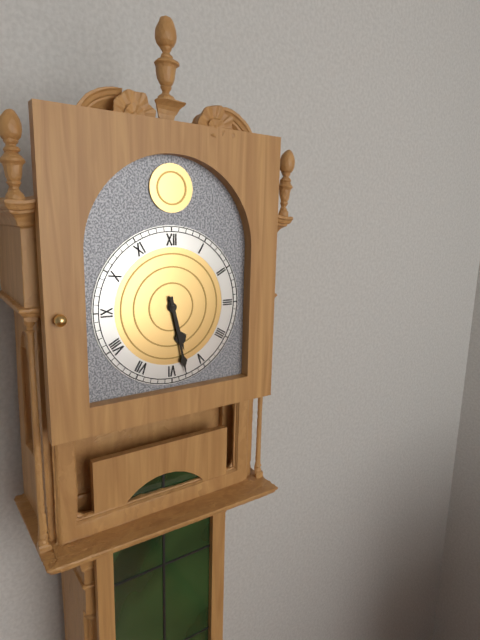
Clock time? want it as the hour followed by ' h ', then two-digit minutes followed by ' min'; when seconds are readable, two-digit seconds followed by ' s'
5 h 28 min
